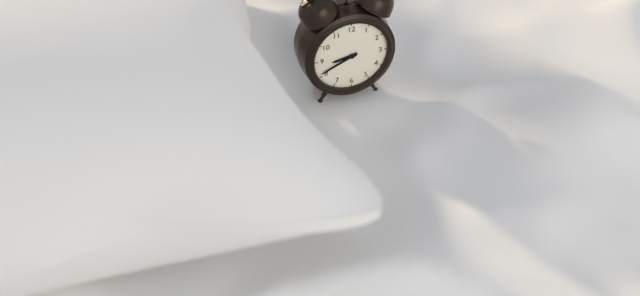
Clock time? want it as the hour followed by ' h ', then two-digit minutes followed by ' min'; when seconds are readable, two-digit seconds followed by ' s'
8 h 41 min
